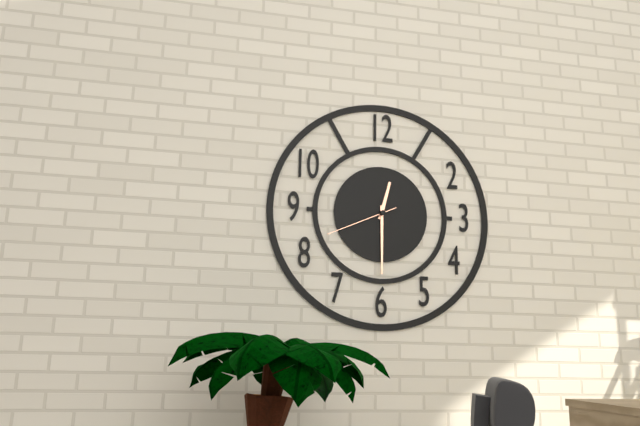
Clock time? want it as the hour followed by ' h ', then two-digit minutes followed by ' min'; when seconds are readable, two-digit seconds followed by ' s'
12 h 30 min 41 s
